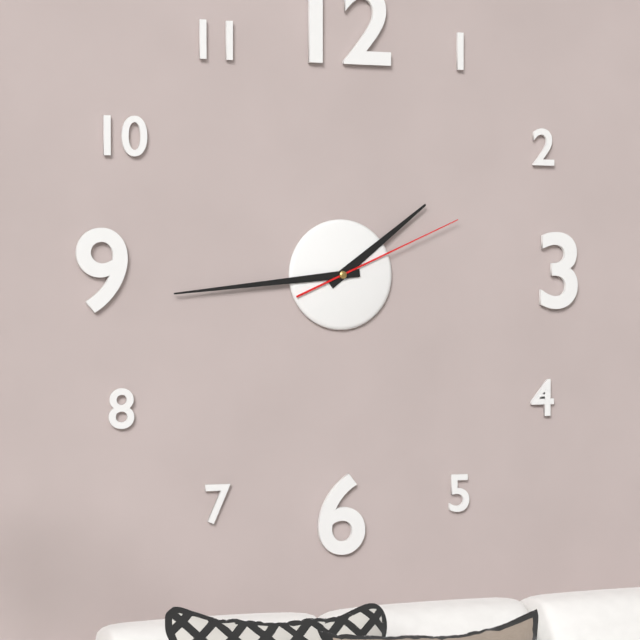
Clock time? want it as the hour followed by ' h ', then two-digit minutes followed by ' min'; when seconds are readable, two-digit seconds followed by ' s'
1 h 44 min 11 s
